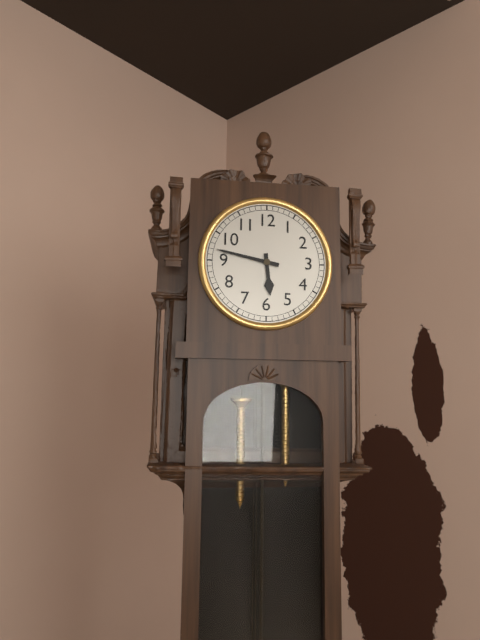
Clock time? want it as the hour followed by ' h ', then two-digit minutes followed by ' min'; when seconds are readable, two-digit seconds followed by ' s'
5 h 47 min
